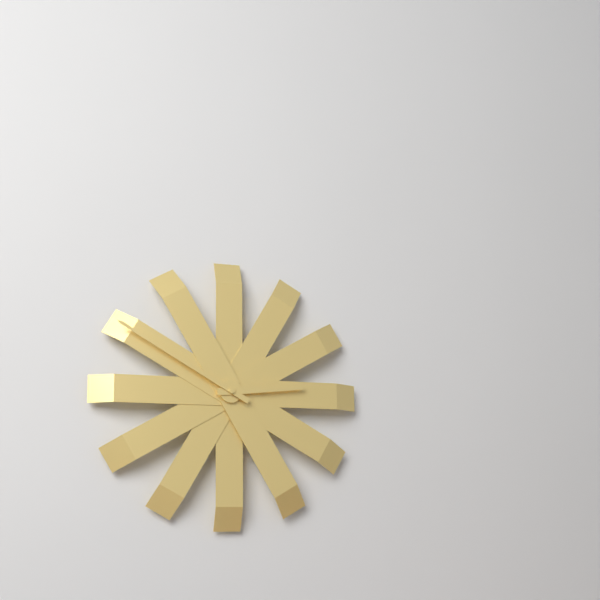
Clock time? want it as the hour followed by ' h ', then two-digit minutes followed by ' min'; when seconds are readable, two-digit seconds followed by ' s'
2 h 50 min
